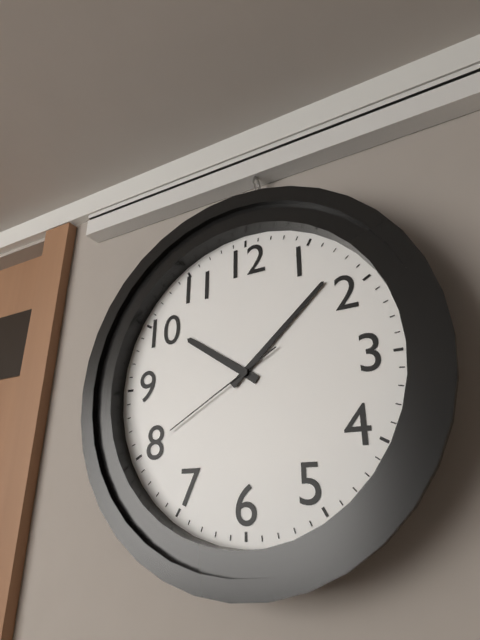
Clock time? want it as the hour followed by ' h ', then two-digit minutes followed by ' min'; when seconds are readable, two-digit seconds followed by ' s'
10 h 08 min 40 s
